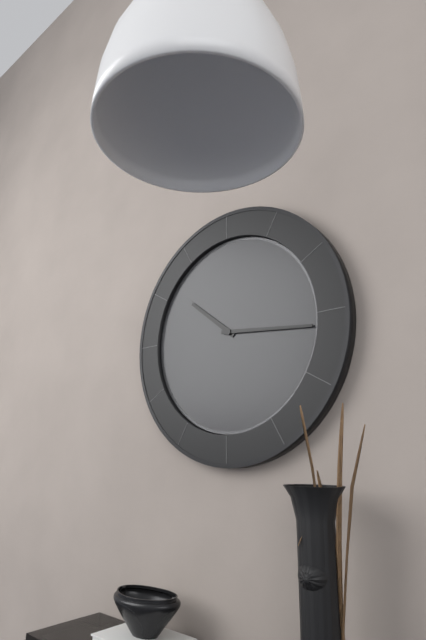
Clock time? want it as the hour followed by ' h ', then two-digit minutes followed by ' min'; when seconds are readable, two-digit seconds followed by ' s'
10 h 16 min
